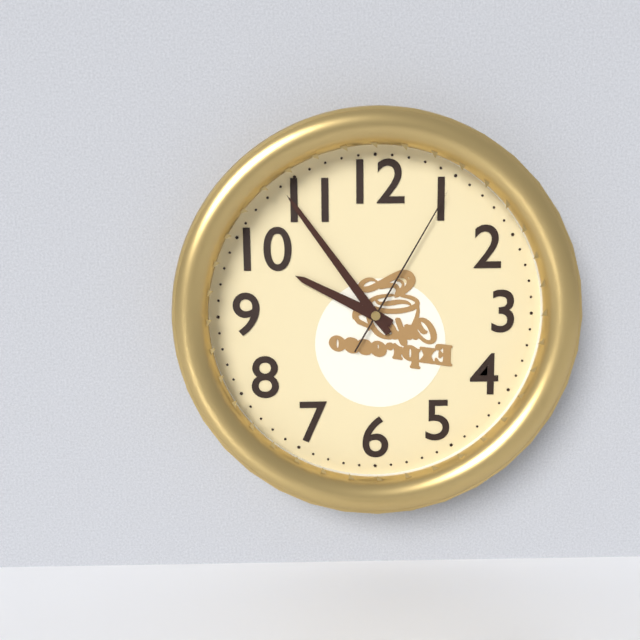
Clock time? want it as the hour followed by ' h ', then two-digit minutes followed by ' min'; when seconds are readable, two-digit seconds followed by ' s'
9 h 54 min 05 s
